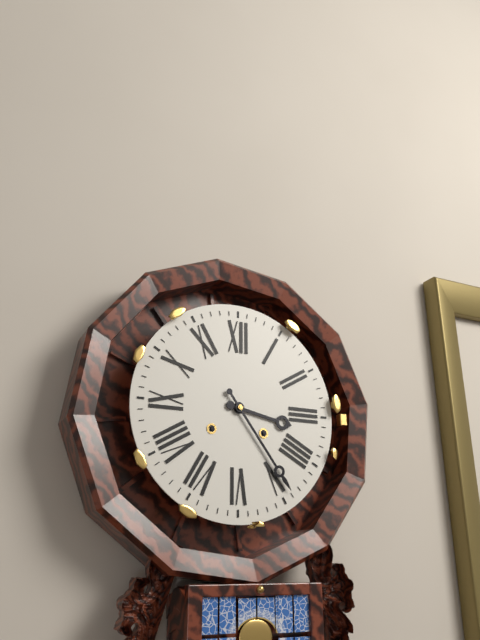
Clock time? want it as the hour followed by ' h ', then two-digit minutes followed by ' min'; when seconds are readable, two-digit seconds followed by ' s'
3 h 24 min
